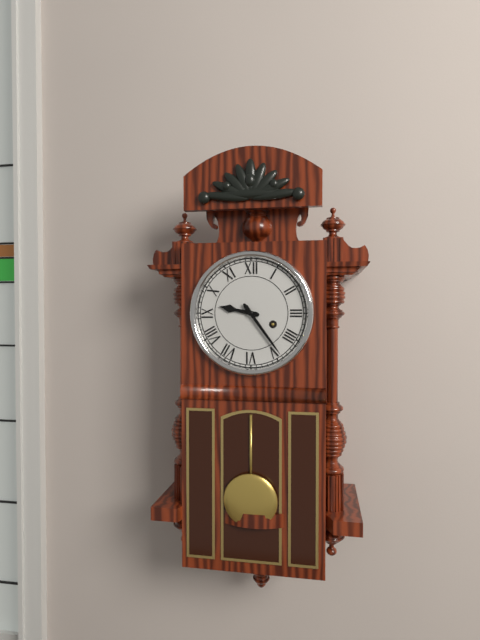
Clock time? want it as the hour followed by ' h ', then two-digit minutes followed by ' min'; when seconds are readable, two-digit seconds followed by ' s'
9 h 24 min
